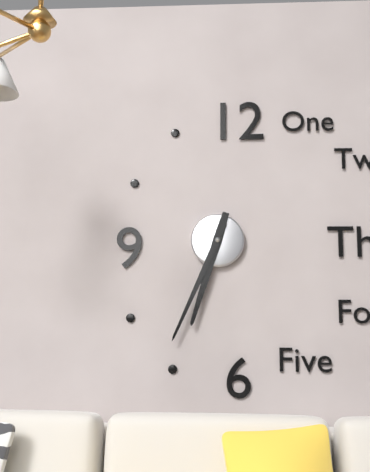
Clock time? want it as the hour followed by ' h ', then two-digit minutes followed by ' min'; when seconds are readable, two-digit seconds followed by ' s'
6 h 34 min
